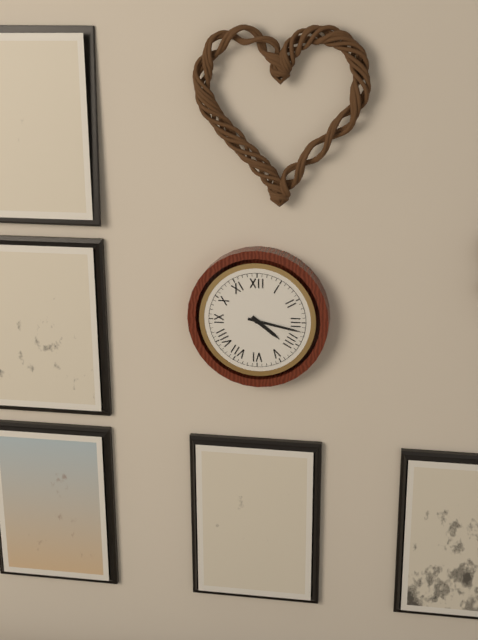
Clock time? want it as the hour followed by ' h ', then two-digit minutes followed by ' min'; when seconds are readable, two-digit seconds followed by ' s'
4 h 17 min
